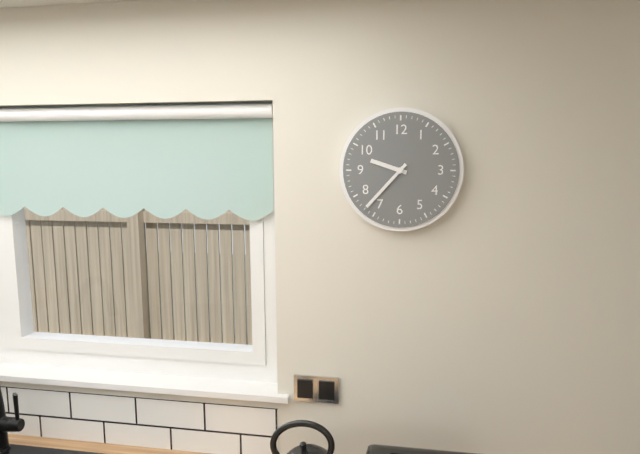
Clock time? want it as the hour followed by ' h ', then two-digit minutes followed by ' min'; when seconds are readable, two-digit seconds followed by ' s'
9 h 37 min
